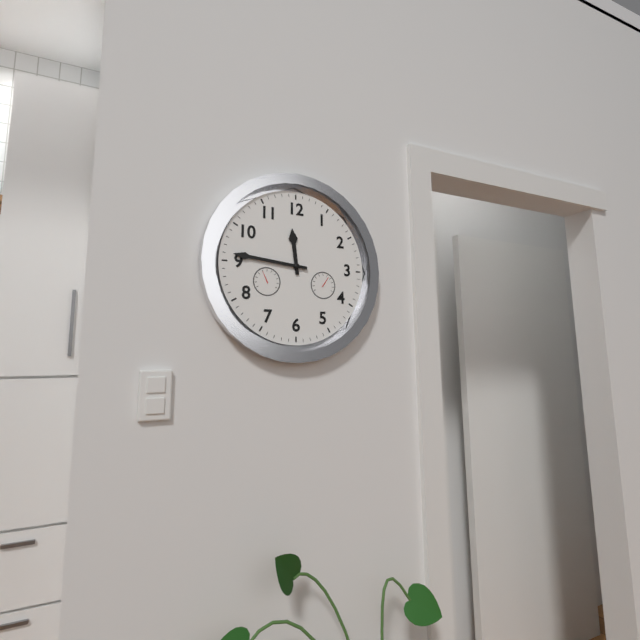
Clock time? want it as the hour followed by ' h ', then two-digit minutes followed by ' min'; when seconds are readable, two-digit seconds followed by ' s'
11 h 46 min
